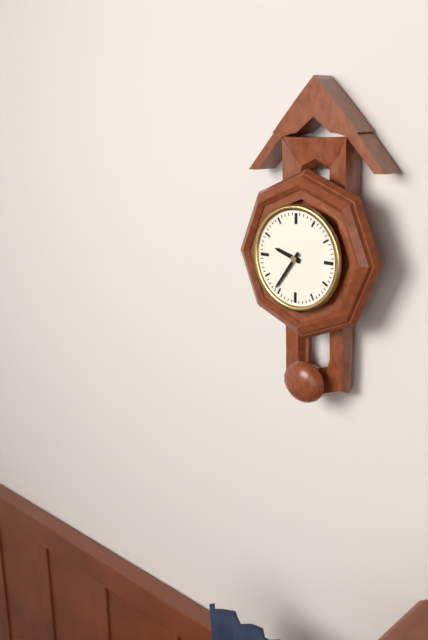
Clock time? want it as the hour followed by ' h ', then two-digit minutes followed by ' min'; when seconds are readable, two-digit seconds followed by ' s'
9 h 36 min
